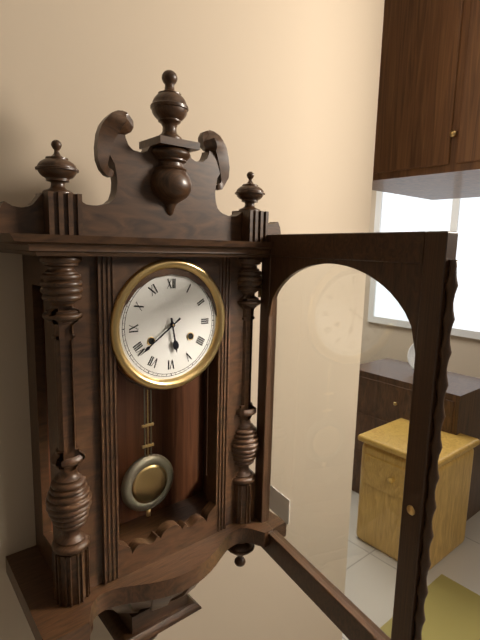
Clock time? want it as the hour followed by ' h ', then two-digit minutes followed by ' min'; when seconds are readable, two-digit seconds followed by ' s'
5 h 39 min
